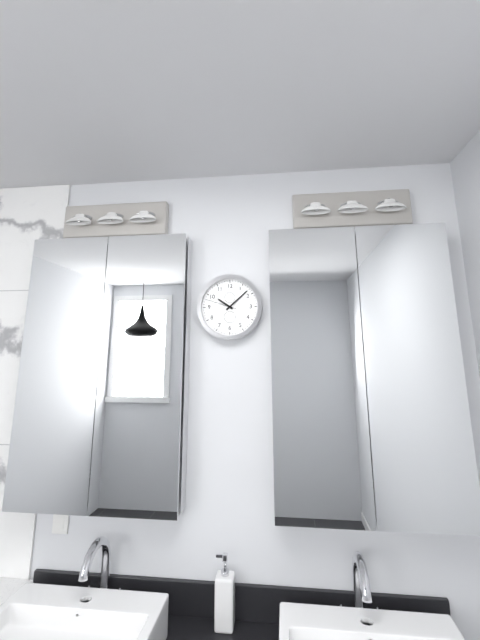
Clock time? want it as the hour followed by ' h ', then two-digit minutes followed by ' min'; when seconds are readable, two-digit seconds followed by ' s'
10 h 08 min
